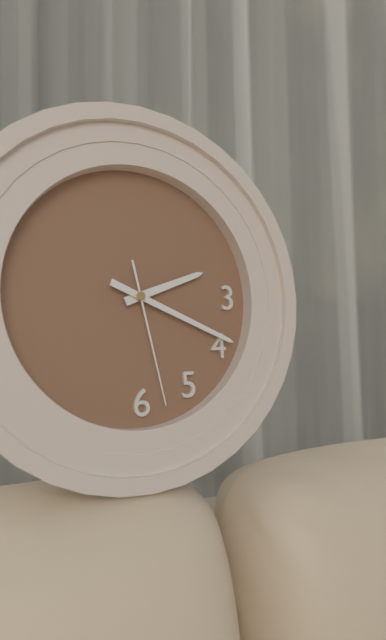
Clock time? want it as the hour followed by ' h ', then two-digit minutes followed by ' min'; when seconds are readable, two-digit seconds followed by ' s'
2 h 19 min 28 s
